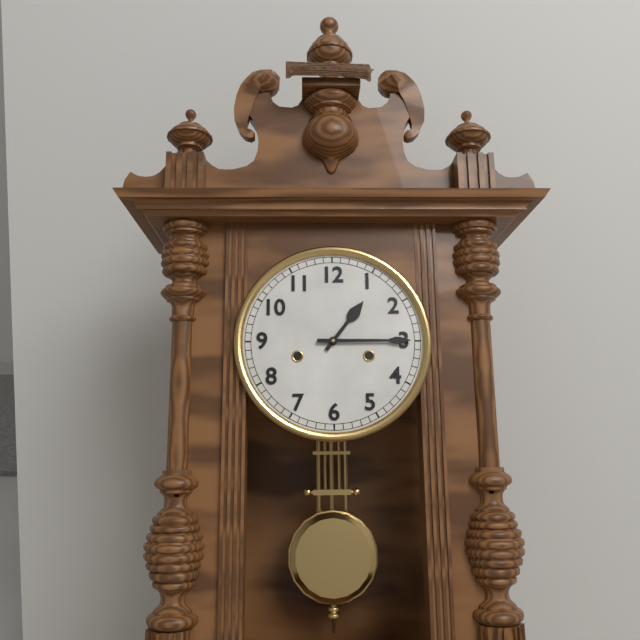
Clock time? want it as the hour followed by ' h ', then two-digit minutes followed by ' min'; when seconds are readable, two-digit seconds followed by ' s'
1 h 15 min
